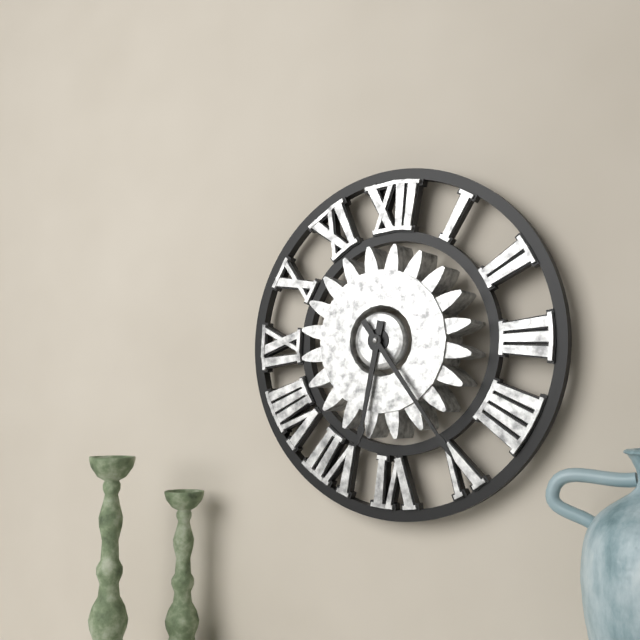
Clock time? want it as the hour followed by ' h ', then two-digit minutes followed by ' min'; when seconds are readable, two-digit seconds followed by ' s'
6 h 24 min
